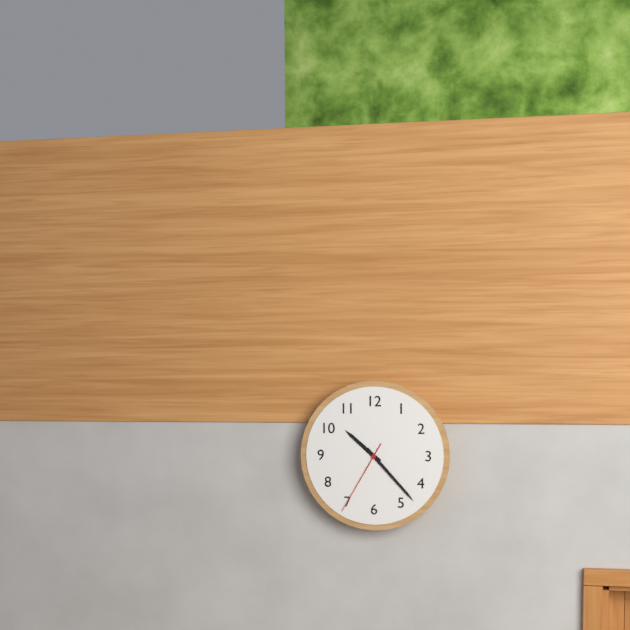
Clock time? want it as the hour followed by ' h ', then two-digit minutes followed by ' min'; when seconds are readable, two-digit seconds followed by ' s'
10 h 23 min 35 s
